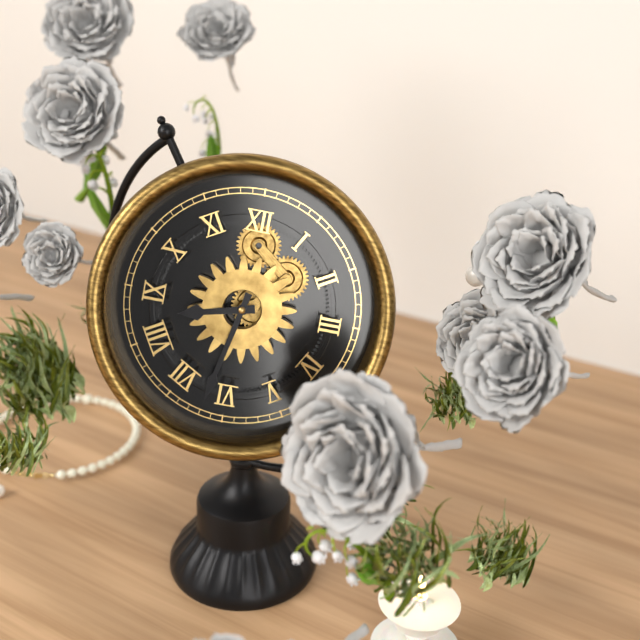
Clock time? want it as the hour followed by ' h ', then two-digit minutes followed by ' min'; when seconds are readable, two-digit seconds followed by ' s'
8 h 32 min
